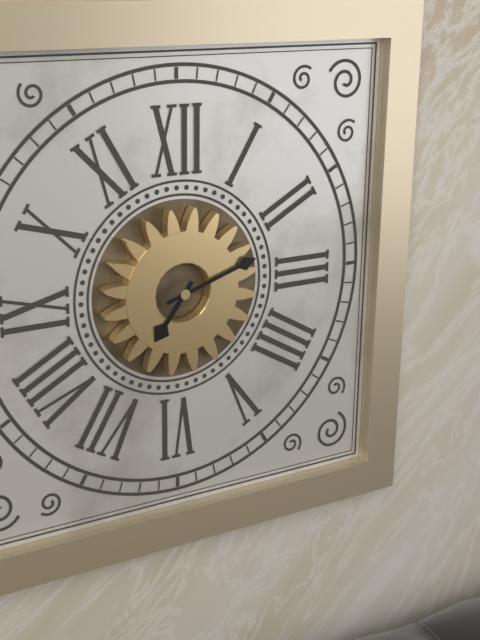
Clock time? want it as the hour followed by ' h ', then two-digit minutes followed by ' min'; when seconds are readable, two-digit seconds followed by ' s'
7 h 12 min
